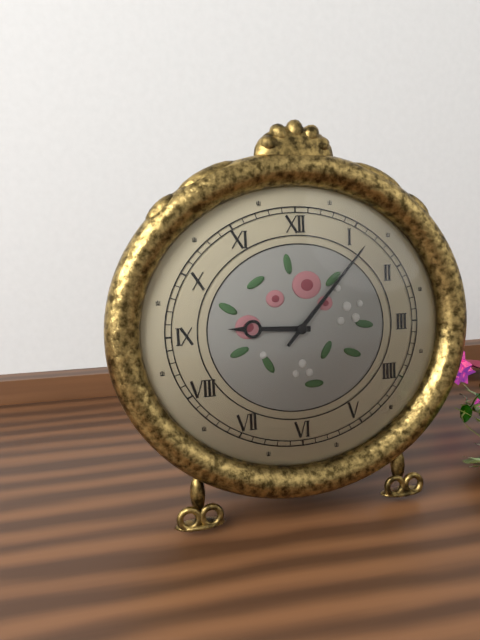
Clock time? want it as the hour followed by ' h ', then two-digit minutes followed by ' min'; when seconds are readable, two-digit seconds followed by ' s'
9 h 07 min
